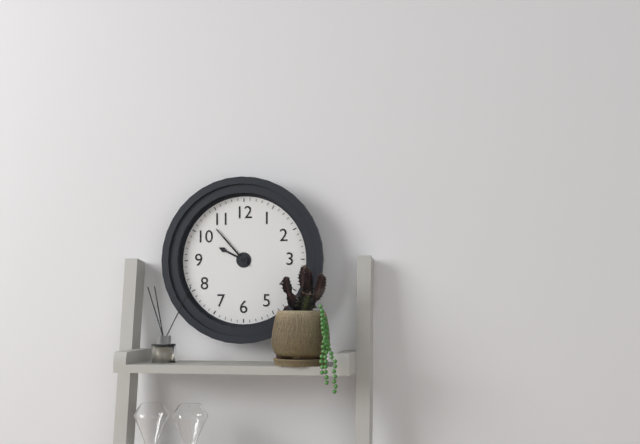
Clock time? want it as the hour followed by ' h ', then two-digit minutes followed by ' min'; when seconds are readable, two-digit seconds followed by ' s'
9 h 53 min
